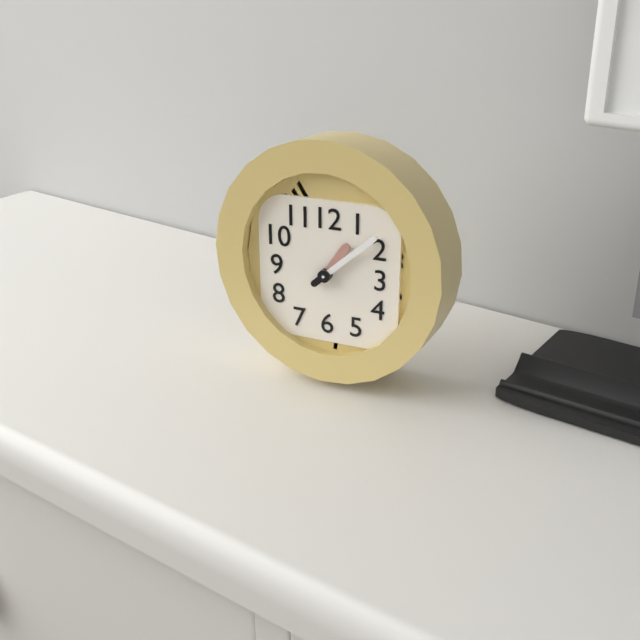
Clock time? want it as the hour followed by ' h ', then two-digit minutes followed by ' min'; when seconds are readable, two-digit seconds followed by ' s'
1 h 08 min
